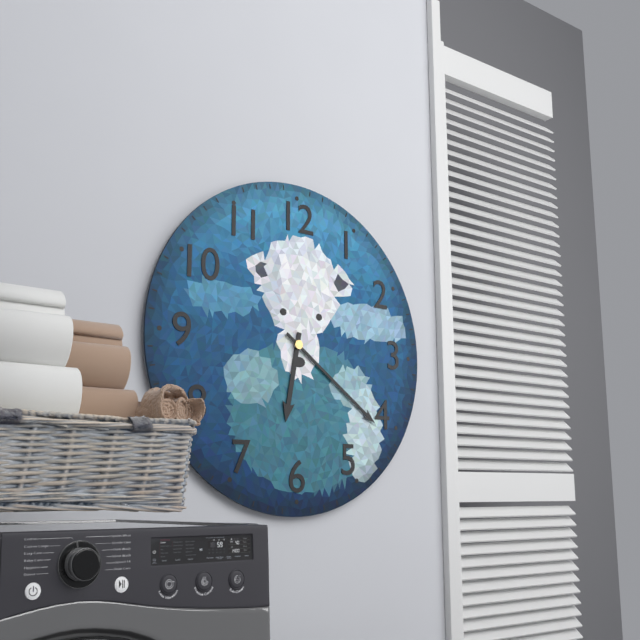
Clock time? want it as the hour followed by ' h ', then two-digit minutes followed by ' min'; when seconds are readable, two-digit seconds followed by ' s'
6 h 21 min
